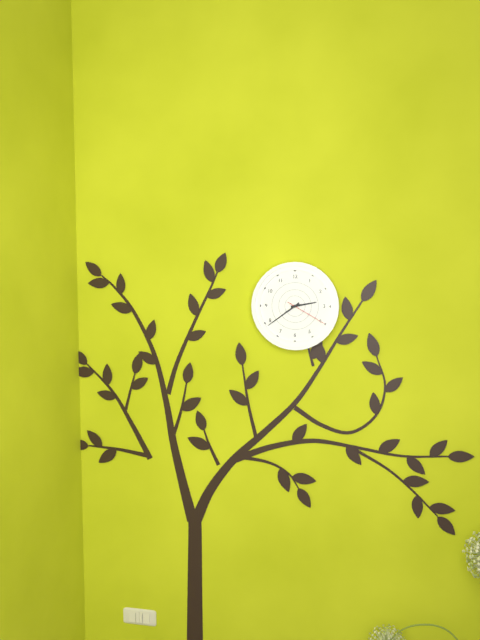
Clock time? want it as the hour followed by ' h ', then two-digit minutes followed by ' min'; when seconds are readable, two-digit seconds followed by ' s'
2 h 39 min
